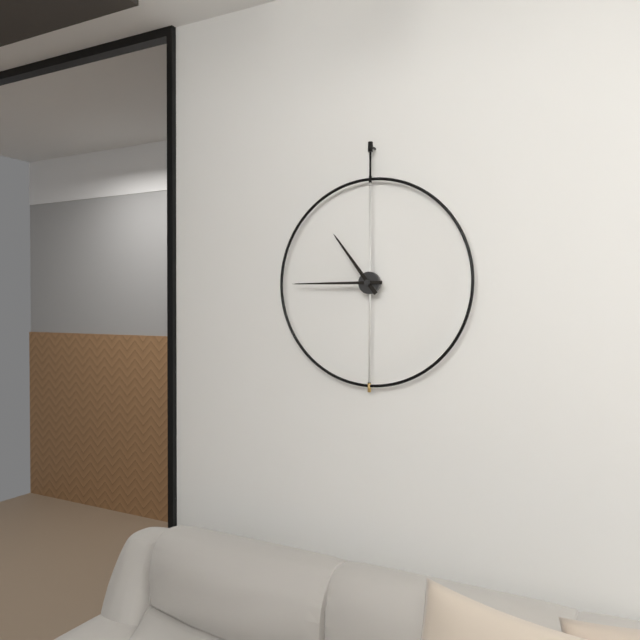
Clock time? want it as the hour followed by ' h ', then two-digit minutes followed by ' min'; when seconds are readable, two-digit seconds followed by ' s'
10 h 45 min
